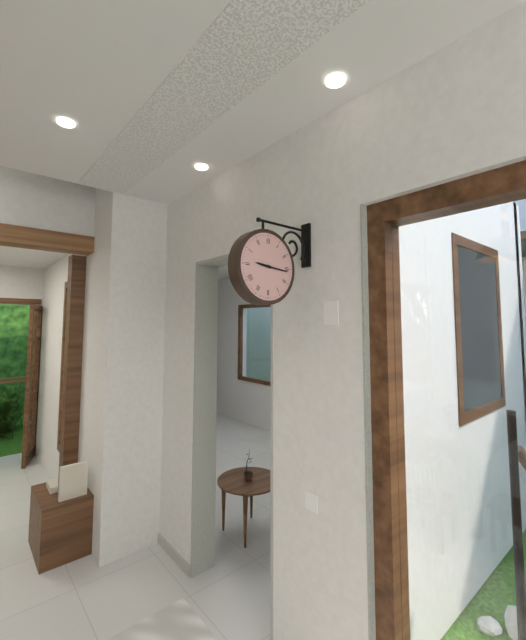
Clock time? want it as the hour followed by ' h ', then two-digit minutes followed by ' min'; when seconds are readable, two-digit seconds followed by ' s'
9 h 16 min
